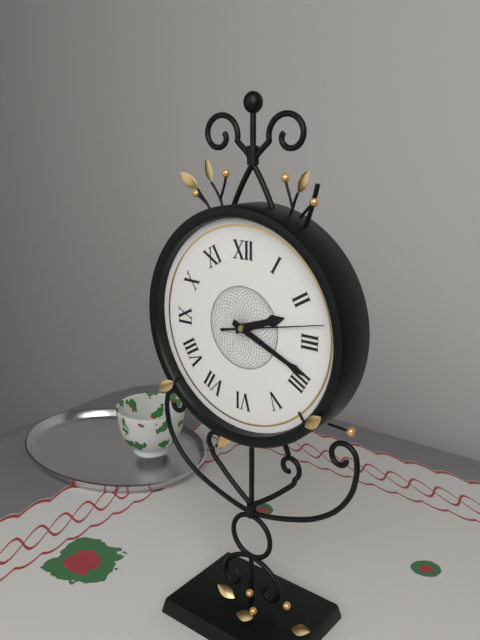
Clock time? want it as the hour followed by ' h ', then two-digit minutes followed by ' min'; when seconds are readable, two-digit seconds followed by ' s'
2 h 19 min 13 s
